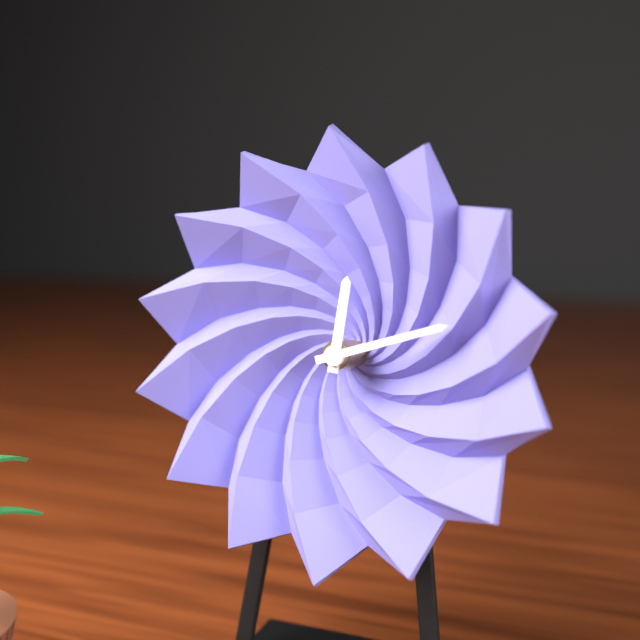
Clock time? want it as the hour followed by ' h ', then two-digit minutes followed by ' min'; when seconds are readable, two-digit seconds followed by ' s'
12 h 12 min
